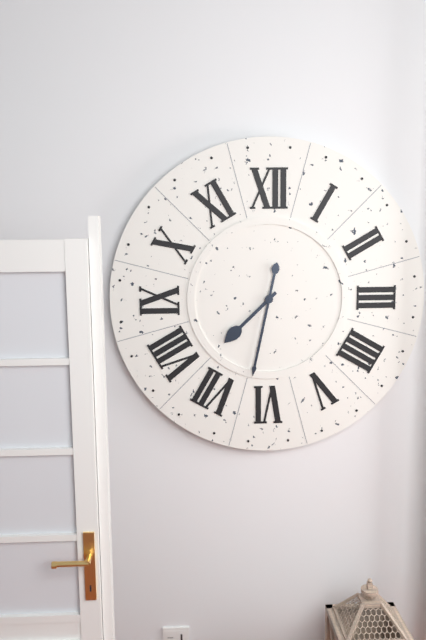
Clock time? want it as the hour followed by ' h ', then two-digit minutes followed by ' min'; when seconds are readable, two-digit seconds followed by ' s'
7 h 32 min
